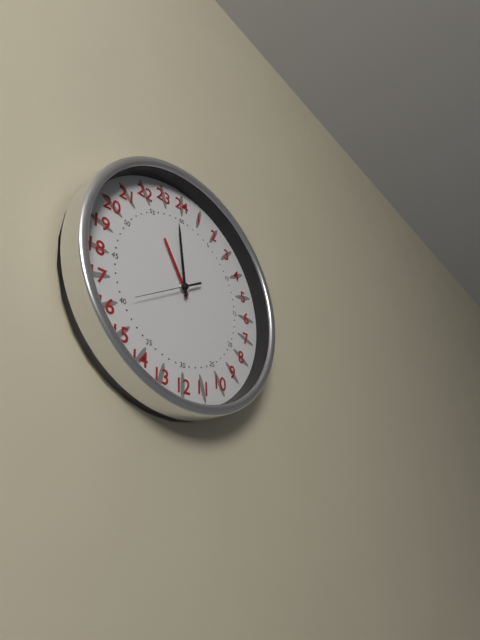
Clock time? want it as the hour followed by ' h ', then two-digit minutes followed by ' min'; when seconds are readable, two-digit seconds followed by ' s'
10 h 59 min 40 s
